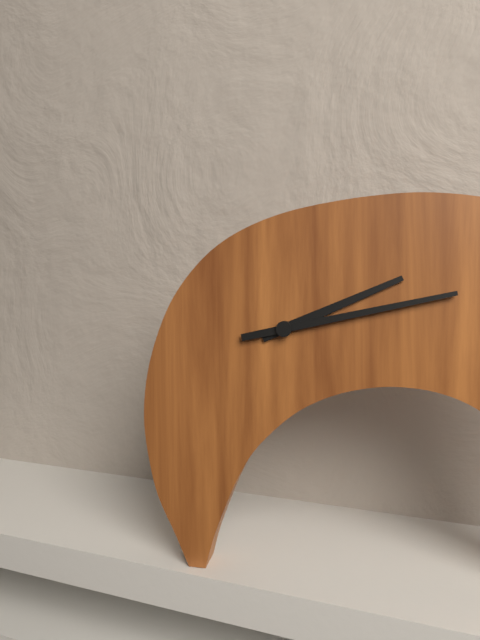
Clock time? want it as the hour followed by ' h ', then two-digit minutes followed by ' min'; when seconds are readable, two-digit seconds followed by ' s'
2 h 13 min
